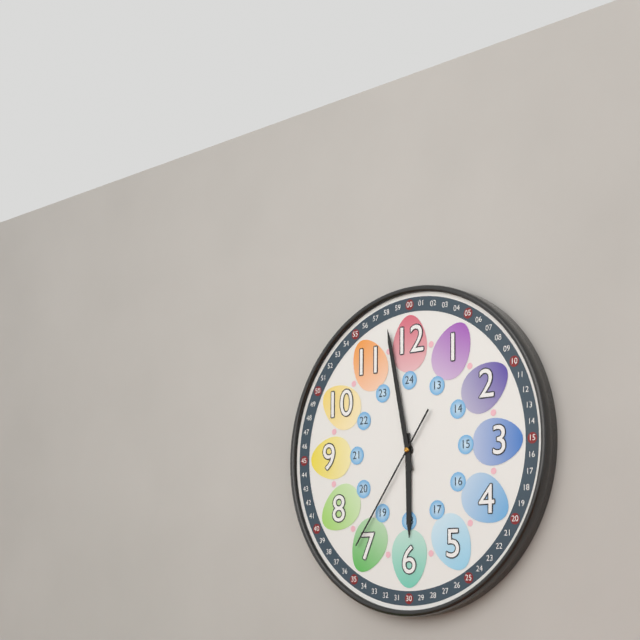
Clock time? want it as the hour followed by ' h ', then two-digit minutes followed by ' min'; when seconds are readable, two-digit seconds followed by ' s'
5 h 58 min 36 s
